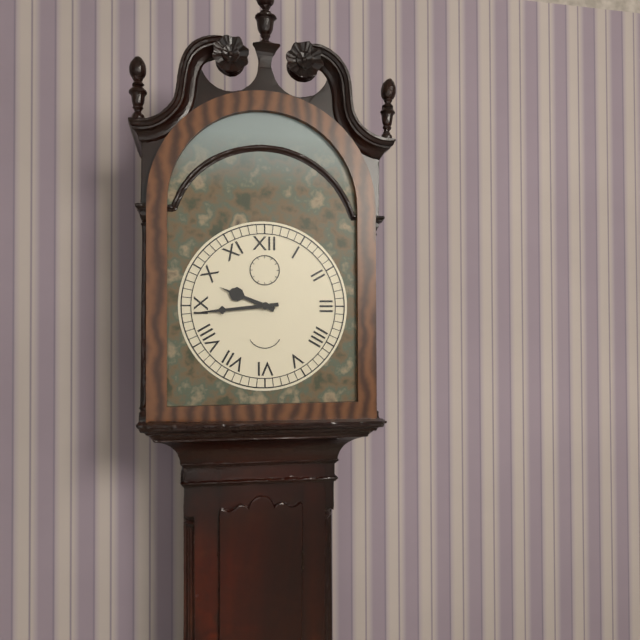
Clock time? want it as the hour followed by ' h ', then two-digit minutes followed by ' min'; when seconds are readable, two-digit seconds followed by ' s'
9 h 44 min
